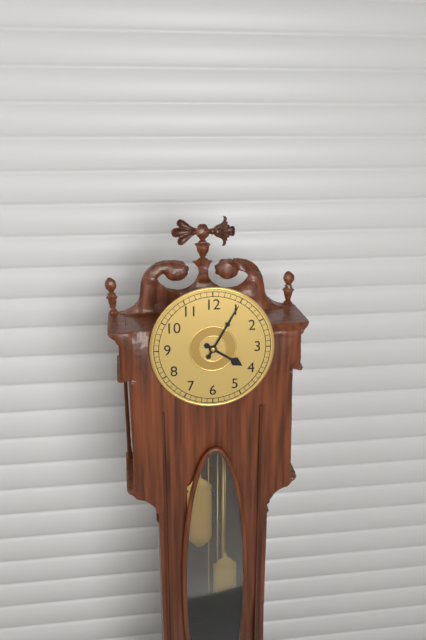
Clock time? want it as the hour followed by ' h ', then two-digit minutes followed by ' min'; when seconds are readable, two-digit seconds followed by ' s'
4 h 05 min
